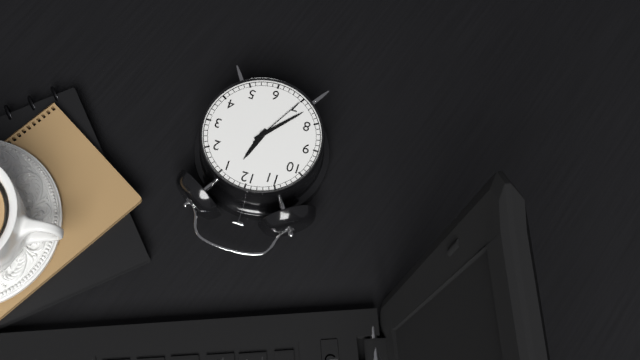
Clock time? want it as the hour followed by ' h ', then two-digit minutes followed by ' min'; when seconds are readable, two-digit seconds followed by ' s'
12 h 37 min 35 s
